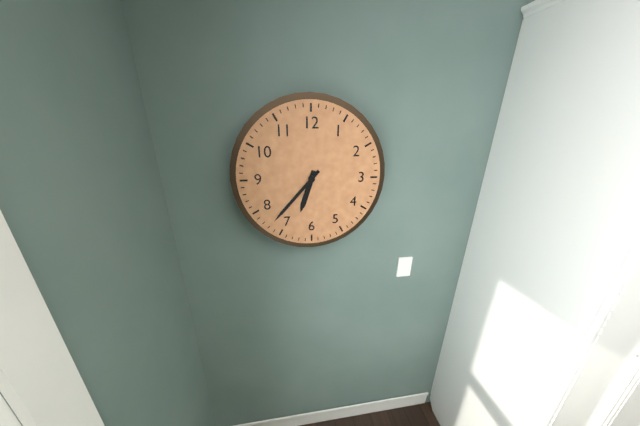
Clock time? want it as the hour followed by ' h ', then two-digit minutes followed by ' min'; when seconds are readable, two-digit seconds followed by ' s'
6 h 37 min
